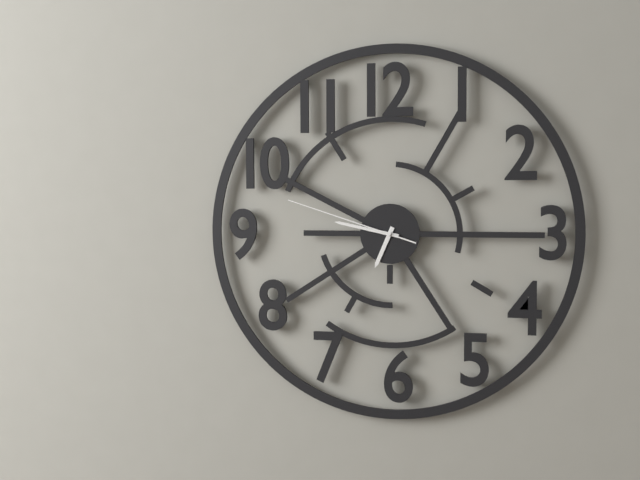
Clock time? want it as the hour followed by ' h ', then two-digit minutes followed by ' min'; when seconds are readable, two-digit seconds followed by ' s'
6 h 47 min 48 s
